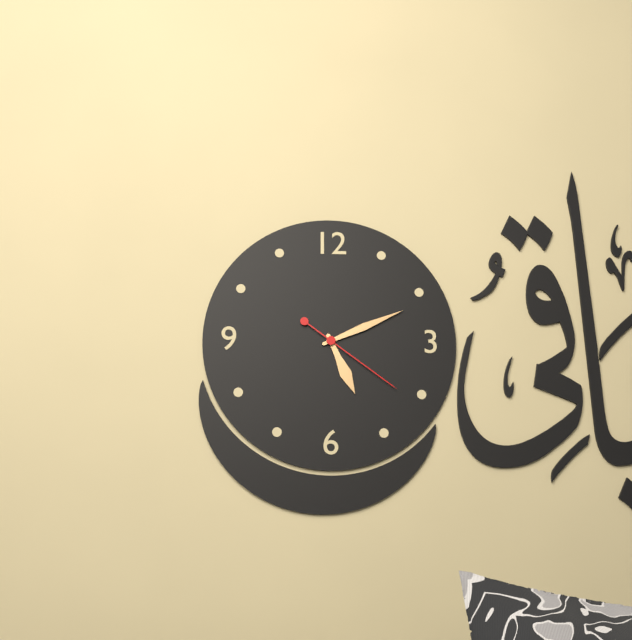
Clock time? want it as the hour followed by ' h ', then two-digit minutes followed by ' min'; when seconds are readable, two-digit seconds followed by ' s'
5 h 11 min 21 s
